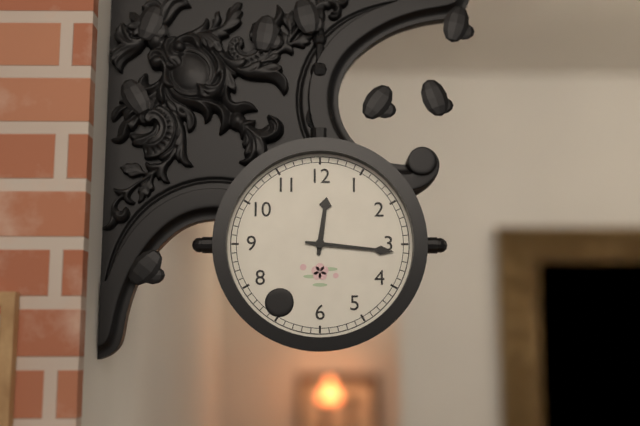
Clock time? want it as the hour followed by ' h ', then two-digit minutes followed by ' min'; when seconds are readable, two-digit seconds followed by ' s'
12 h 16 min
